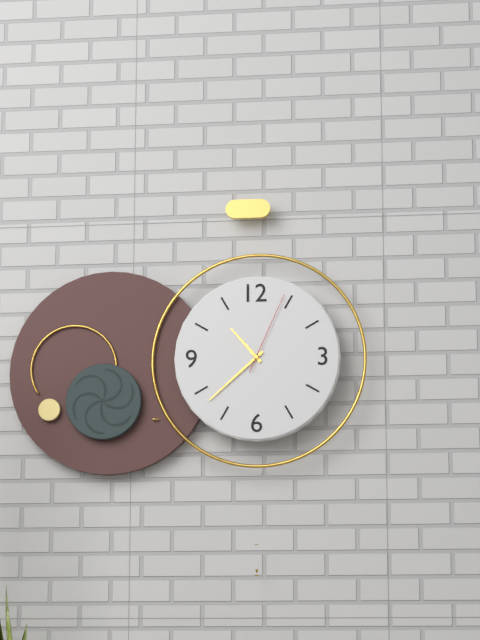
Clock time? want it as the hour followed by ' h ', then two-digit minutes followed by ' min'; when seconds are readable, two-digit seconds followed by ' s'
10 h 38 min 04 s
